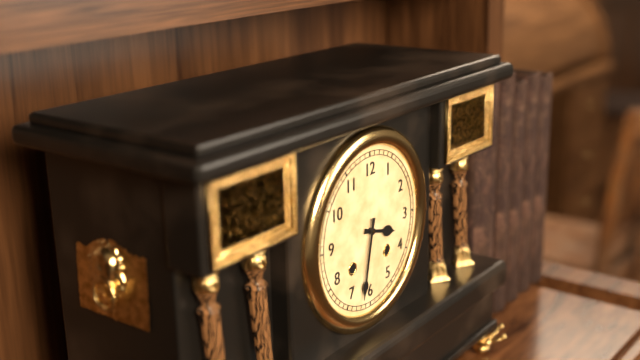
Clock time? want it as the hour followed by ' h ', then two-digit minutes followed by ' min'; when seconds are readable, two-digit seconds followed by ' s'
3 h 32 min
